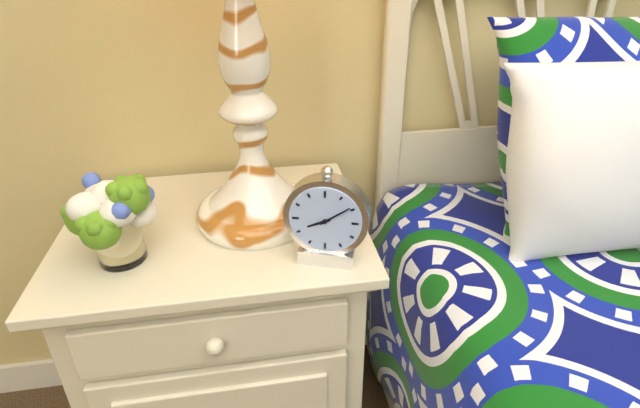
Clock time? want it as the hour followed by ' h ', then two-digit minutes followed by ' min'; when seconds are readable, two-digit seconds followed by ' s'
8 h 09 min
